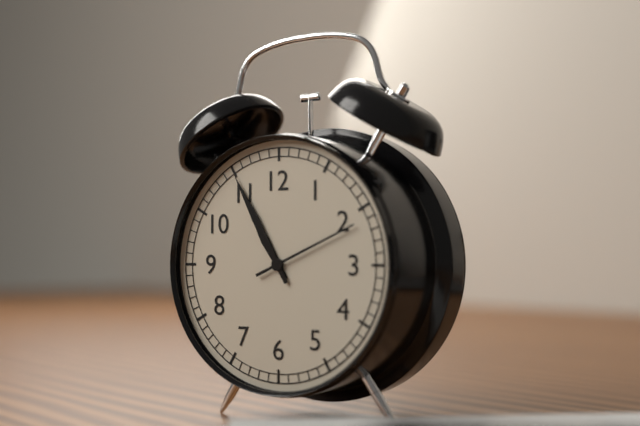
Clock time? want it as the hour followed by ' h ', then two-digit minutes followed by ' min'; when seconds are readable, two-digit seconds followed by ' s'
10 h 55 min 11 s
